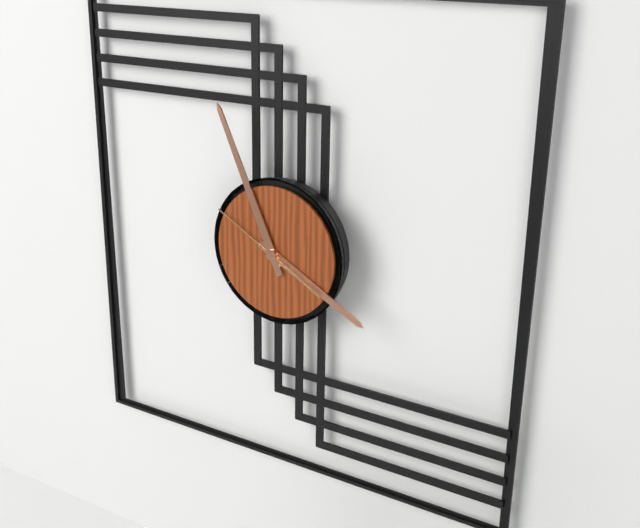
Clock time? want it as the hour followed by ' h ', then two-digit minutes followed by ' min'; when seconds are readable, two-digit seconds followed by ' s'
3 h 56 min 50 s
